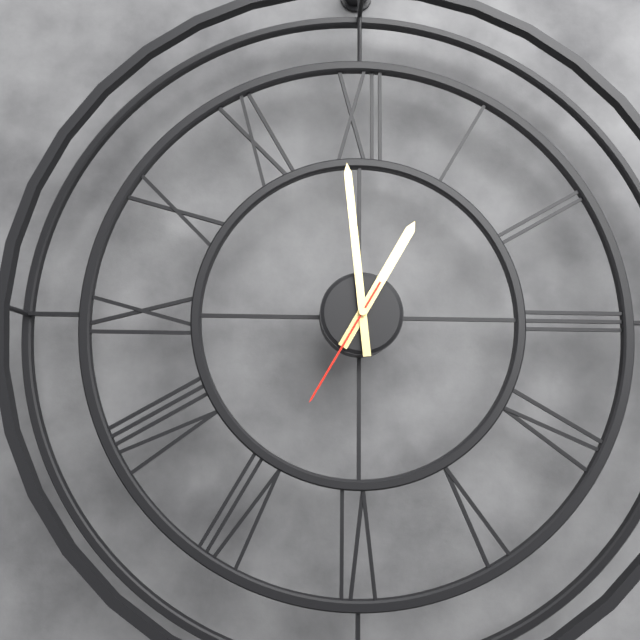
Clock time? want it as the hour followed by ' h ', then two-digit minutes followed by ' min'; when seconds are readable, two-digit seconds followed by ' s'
12 h 59 min 35 s
